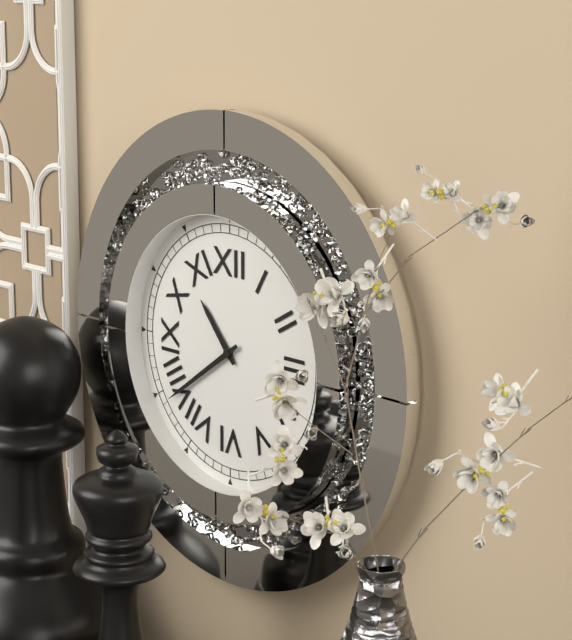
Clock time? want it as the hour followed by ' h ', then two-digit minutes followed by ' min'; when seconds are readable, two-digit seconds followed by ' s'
10 h 39 min
